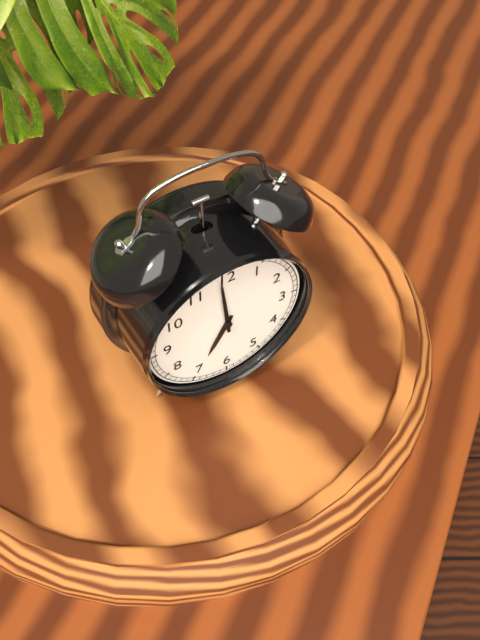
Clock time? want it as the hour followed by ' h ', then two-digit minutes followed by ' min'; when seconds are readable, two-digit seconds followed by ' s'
6 h 59 min
